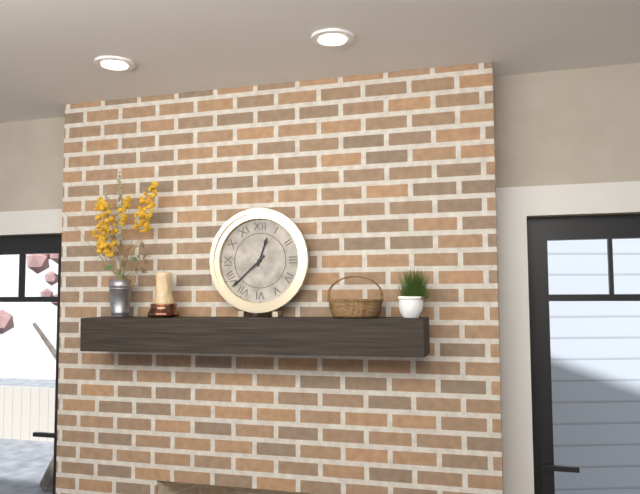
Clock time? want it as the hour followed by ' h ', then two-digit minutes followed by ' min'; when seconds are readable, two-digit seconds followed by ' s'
12 h 38 min
